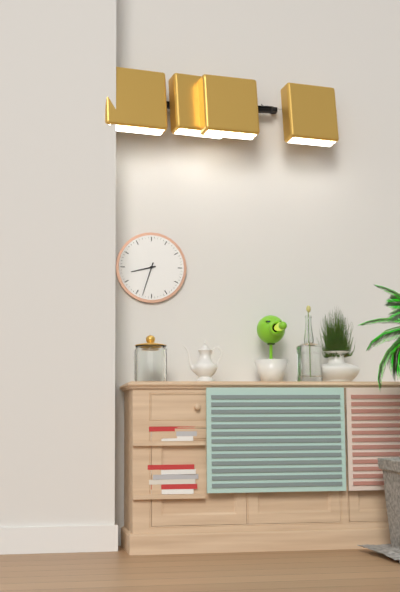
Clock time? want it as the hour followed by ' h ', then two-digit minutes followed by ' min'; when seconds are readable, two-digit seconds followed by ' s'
8 h 33 min
